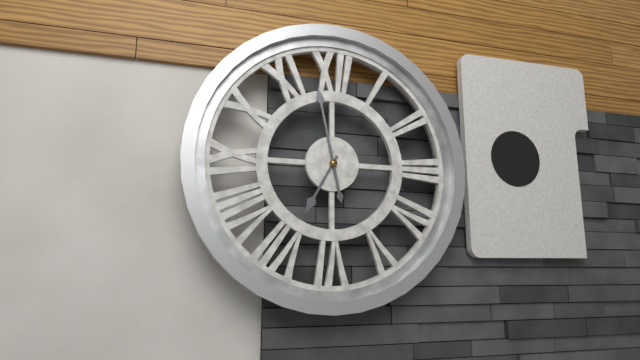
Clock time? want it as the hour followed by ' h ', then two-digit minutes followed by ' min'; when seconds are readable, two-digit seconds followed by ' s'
6 h 58 min
